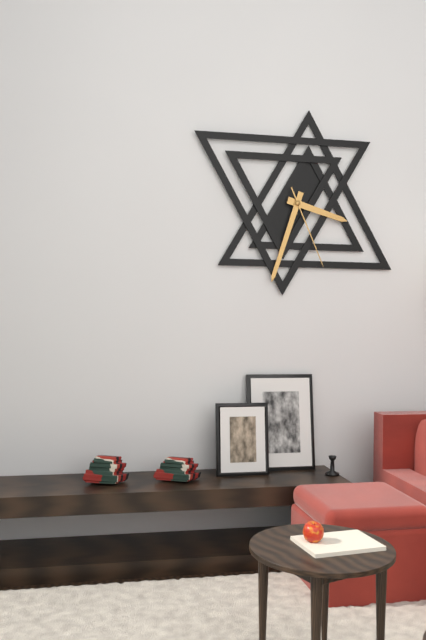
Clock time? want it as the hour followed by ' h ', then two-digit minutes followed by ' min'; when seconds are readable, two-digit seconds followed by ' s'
3 h 33 min 26 s
